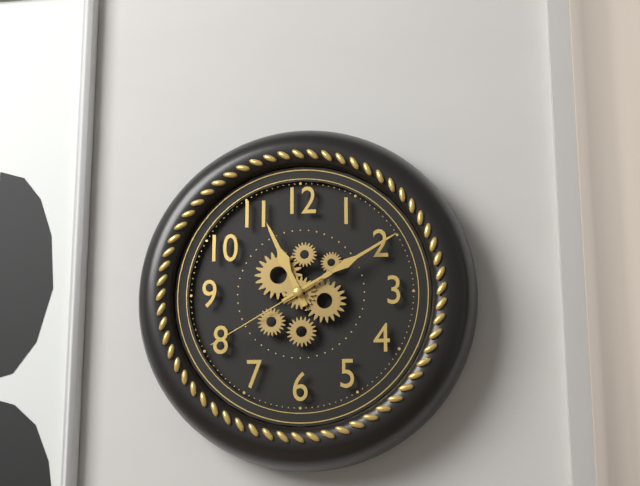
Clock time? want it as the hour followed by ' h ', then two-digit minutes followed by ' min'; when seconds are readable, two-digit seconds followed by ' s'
11 h 10 min 40 s
